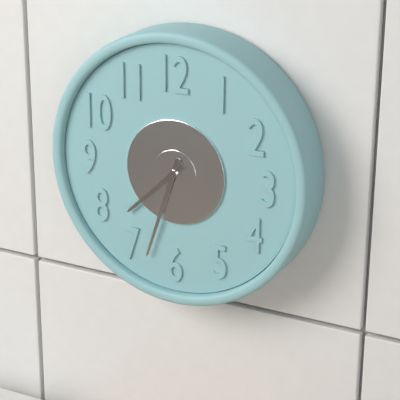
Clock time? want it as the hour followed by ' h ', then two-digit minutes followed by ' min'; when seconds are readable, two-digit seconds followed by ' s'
7 h 33 min
